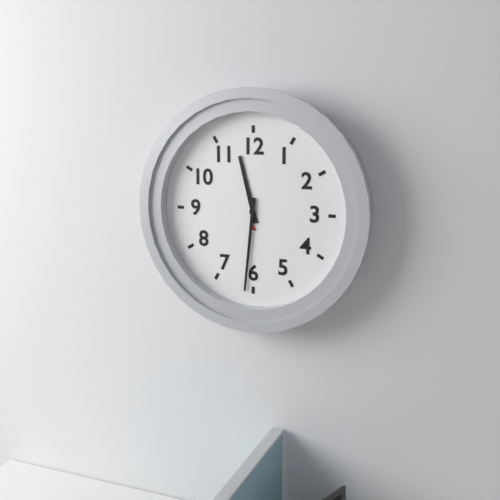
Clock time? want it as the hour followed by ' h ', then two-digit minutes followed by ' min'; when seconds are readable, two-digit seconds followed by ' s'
11 h 31 min
